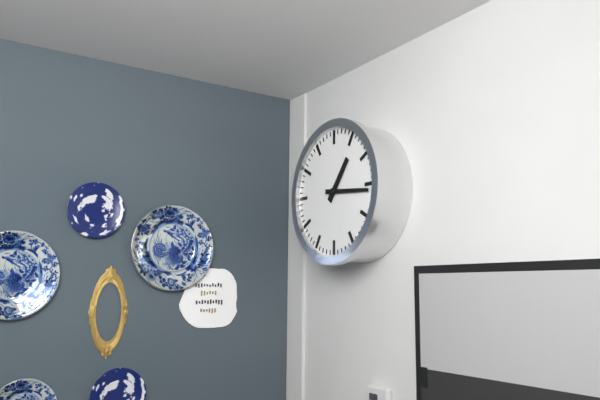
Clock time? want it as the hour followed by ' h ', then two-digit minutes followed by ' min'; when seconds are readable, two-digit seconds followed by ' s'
1 h 16 min
